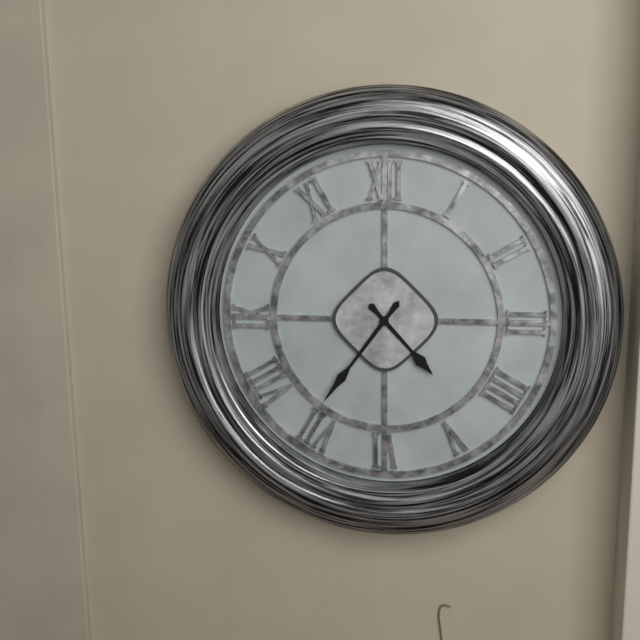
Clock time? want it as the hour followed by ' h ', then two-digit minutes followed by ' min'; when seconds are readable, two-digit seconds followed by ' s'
4 h 36 min
